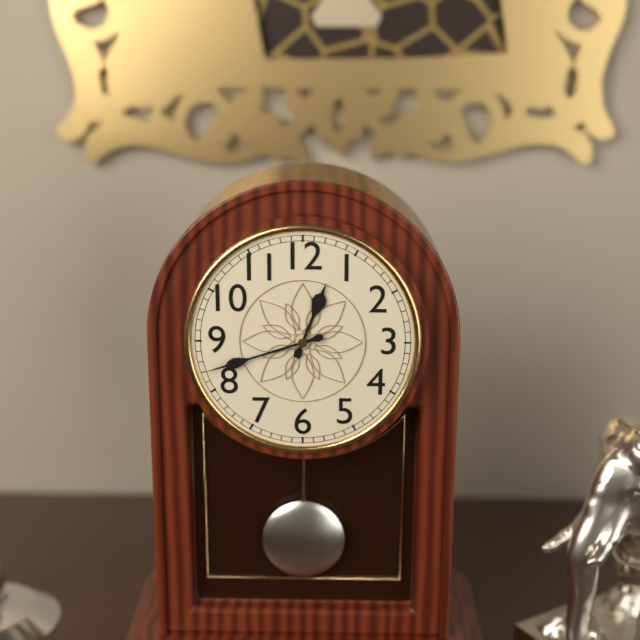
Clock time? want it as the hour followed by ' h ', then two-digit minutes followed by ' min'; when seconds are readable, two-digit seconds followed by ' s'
12 h 42 min
